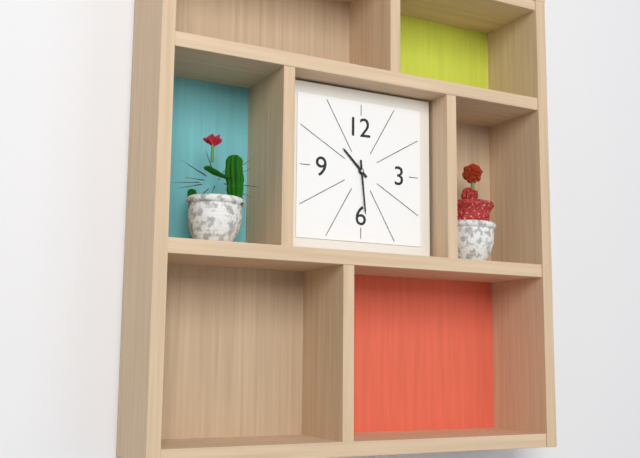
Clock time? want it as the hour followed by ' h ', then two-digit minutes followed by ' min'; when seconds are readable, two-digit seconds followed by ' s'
10 h 29 min
